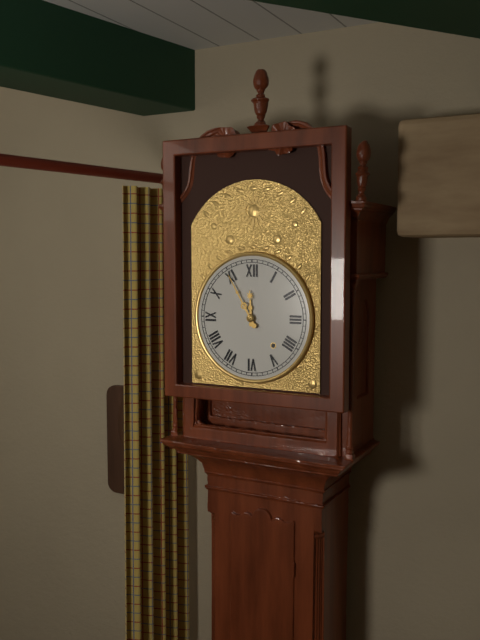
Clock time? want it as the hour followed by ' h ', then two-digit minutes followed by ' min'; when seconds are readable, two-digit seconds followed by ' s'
11 h 55 min
